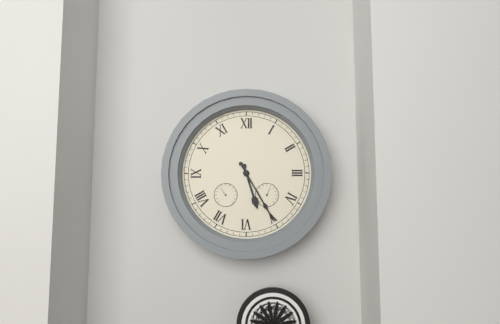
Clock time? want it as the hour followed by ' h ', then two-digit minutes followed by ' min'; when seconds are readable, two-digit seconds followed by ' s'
5 h 25 min
